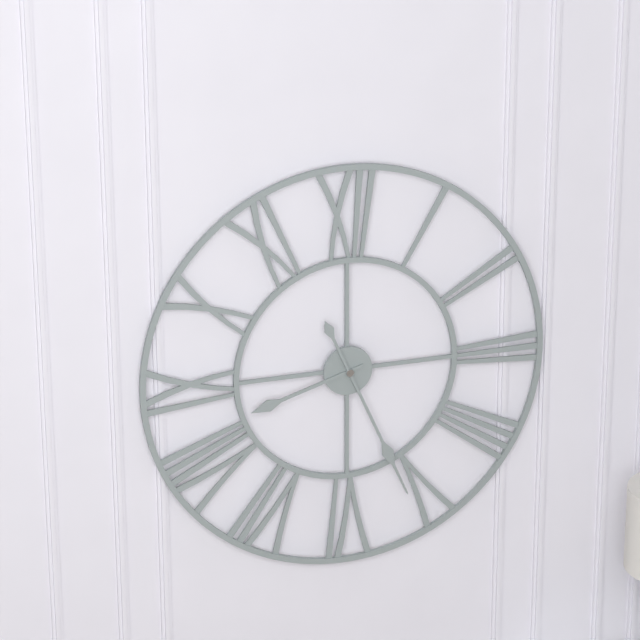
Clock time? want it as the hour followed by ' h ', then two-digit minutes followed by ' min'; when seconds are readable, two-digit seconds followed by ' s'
8 h 26 min
